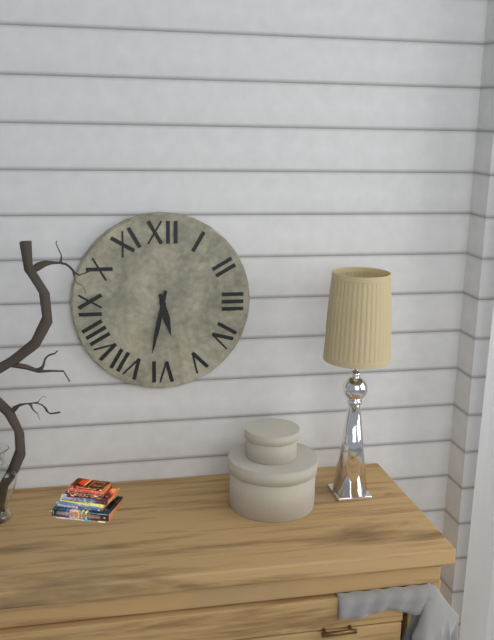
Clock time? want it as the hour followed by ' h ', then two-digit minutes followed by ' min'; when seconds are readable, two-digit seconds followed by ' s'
5 h 32 min
